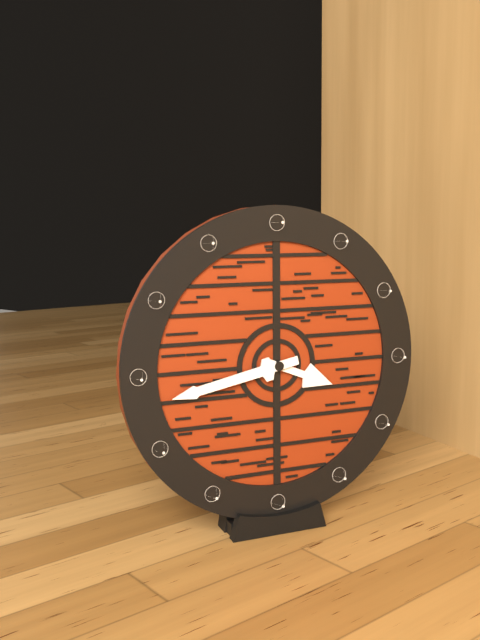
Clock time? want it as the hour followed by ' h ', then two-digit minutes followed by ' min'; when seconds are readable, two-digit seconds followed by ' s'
3 h 43 min
